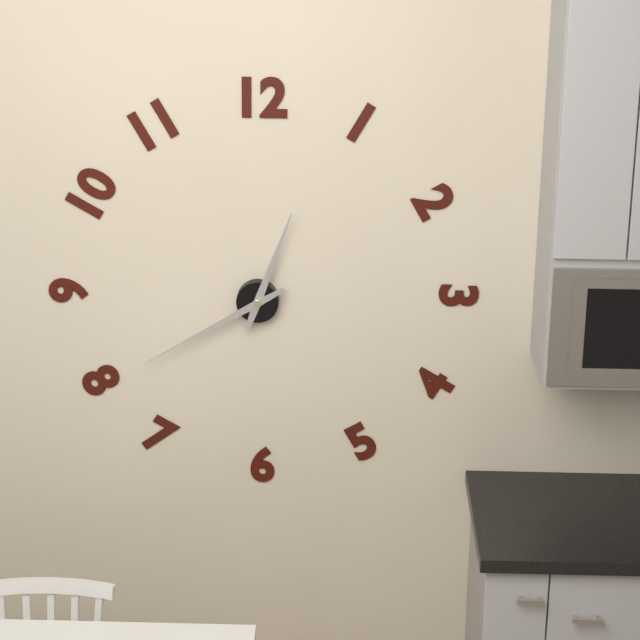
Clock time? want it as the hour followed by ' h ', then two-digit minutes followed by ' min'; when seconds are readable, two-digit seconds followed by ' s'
12 h 40 min
